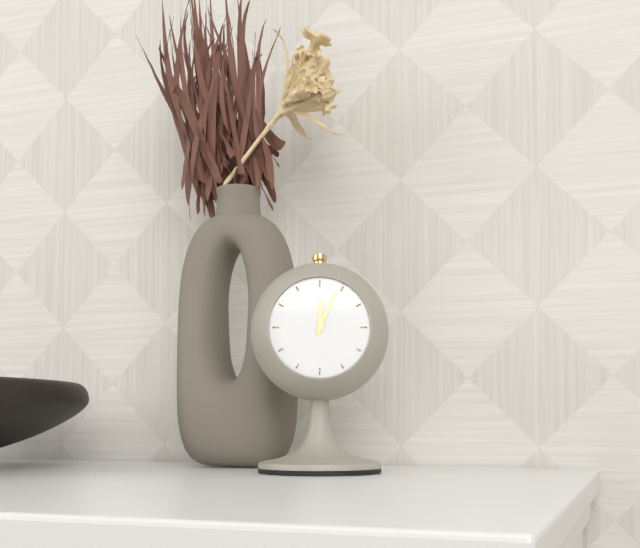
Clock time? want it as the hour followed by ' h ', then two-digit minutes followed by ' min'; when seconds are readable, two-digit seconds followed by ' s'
12 h 04 min
